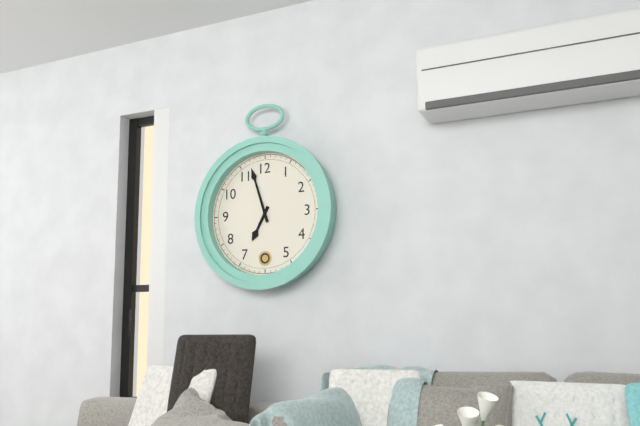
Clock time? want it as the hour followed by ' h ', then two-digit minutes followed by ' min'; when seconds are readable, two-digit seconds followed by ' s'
6 h 57 min
